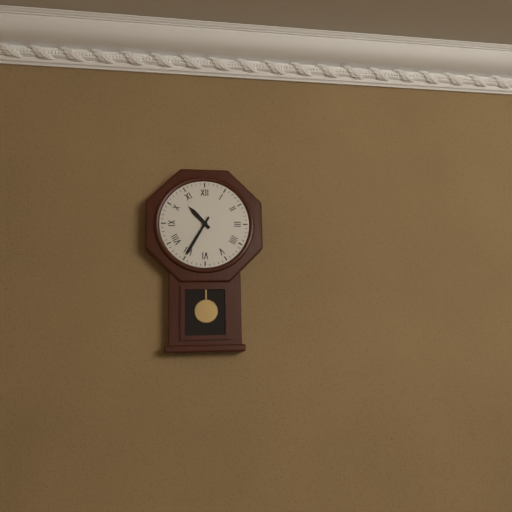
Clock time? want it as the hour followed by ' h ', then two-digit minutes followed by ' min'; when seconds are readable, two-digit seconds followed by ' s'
10 h 35 min
